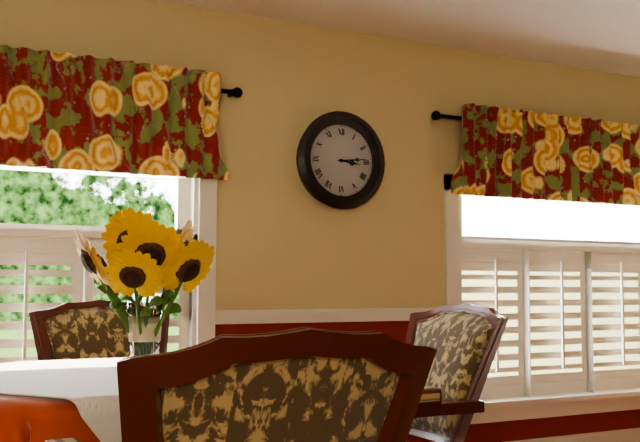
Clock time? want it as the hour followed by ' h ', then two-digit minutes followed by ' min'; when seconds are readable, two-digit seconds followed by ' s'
3 h 14 min
